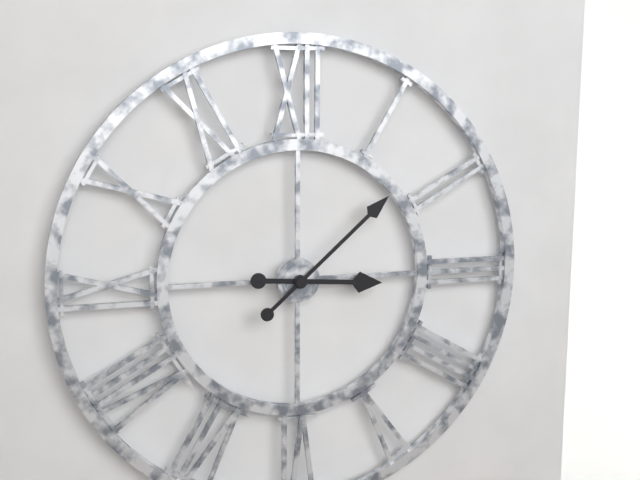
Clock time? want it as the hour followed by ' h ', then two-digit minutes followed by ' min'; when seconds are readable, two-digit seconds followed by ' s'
3 h 08 min
